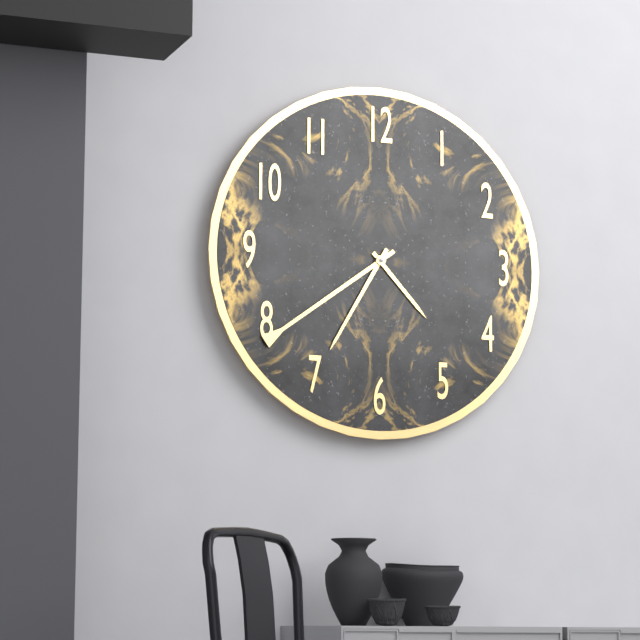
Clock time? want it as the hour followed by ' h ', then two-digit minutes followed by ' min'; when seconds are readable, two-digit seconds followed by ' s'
4 h 35 min 39 s
